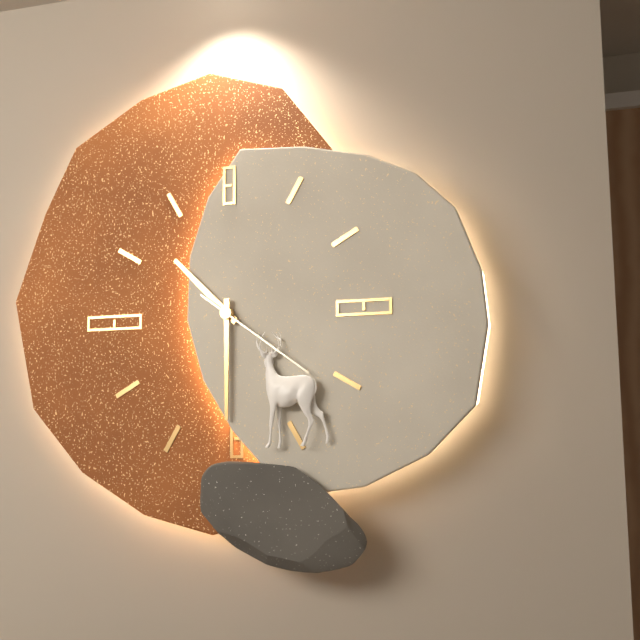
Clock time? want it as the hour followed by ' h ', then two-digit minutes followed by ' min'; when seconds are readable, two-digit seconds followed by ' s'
10 h 30 min 21 s
